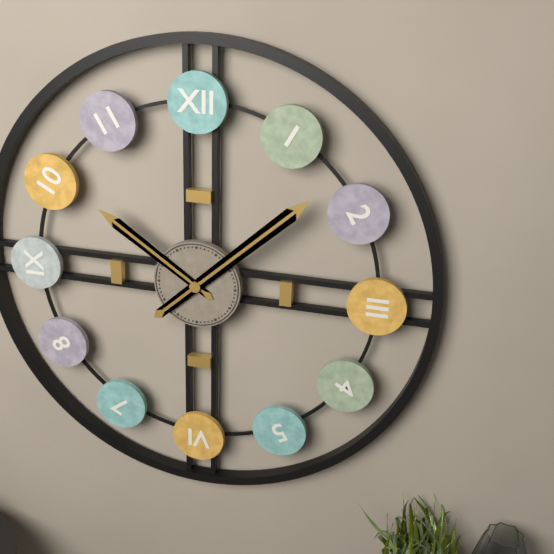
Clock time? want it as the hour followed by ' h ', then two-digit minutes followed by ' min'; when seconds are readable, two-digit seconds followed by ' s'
10 h 08 min
